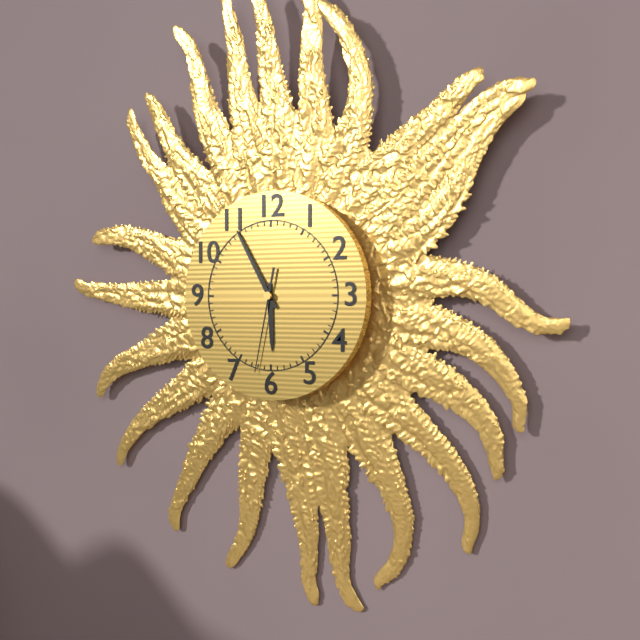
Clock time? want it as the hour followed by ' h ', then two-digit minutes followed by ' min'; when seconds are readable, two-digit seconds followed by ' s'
5 h 55 min 32 s
